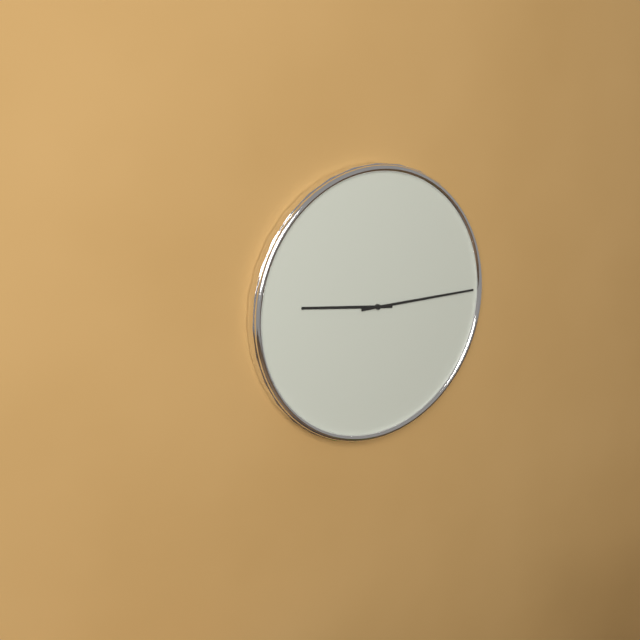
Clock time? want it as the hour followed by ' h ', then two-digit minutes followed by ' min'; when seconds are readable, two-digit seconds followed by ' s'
9 h 15 min
